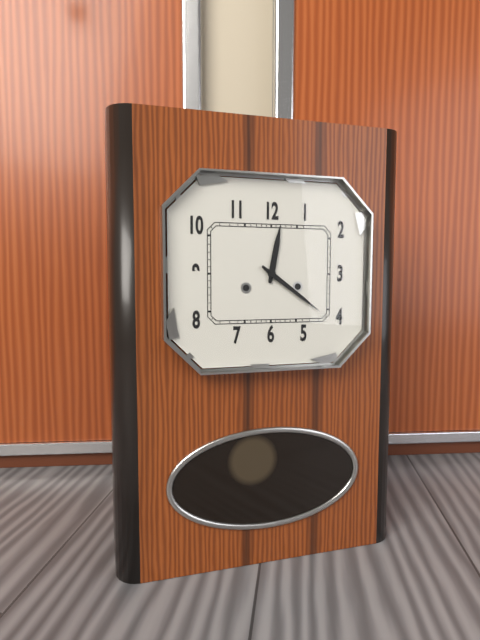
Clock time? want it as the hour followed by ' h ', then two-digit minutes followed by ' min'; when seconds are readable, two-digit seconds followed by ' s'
12 h 21 min
